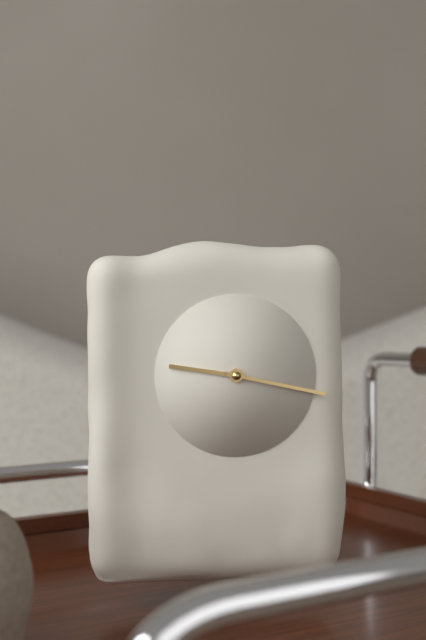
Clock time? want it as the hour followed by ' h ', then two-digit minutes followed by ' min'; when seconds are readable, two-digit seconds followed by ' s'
9 h 17 min
